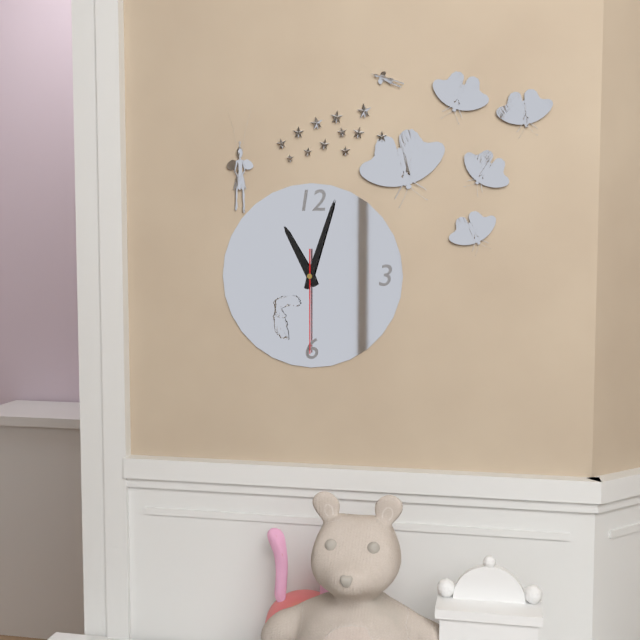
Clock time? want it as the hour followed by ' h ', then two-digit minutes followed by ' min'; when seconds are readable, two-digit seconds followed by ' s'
11 h 03 min 30 s
